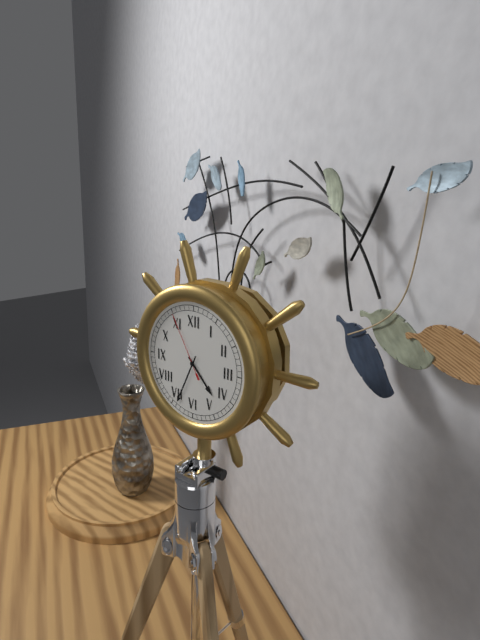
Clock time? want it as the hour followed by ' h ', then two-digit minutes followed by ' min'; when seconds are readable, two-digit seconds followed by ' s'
4 h 34 min 55 s
